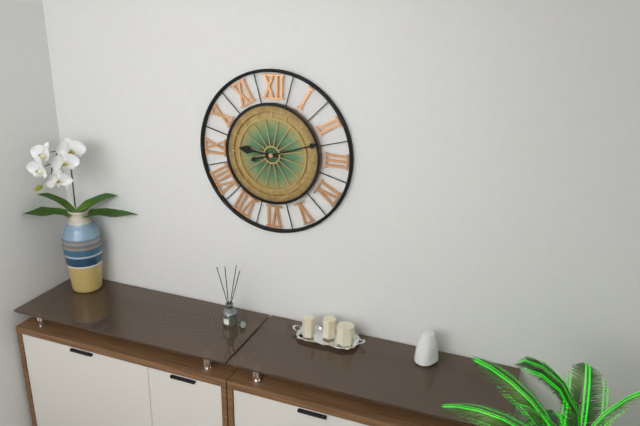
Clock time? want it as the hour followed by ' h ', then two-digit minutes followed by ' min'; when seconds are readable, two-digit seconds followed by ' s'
9 h 12 min
